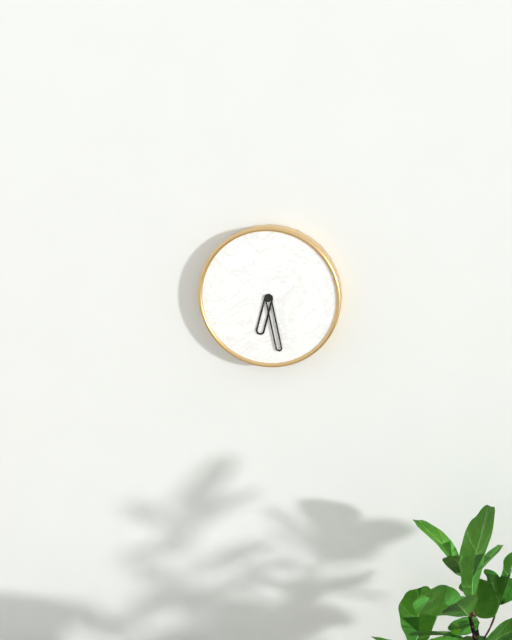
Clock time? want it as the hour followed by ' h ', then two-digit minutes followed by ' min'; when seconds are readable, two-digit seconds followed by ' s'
6 h 28 min
